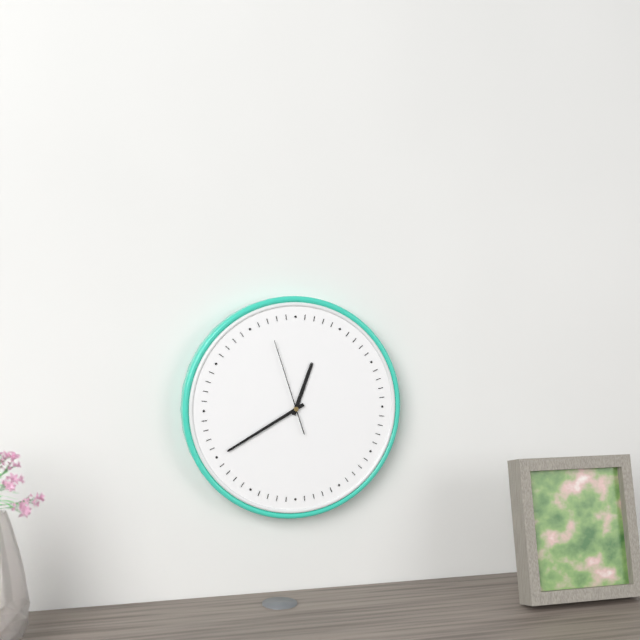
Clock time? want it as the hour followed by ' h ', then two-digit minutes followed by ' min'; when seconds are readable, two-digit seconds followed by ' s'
12 h 40 min 57 s
